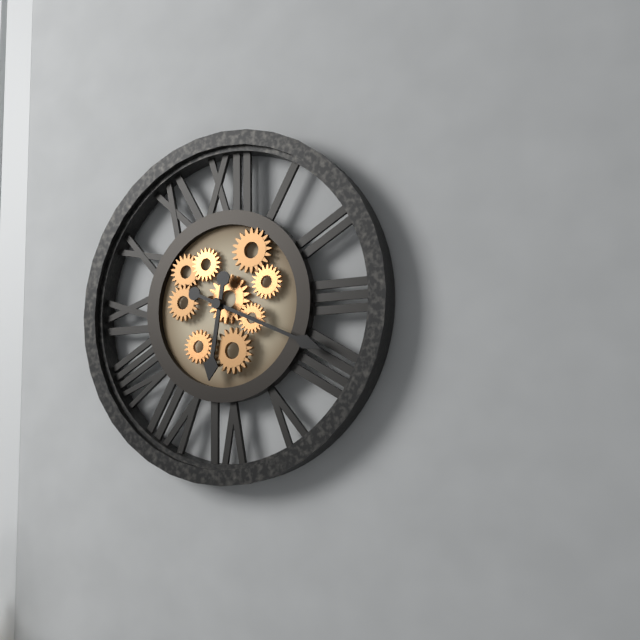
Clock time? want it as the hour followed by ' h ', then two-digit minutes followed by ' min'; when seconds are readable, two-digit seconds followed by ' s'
6 h 19 min
